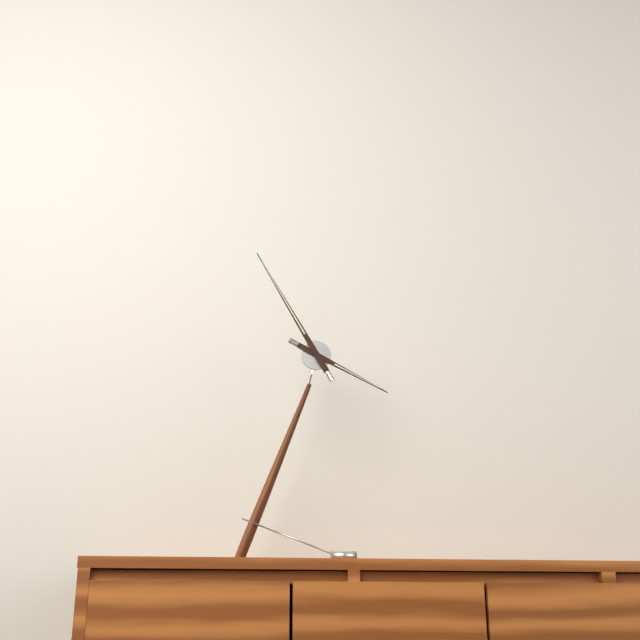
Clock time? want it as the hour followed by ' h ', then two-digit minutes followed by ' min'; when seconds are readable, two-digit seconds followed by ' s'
3 h 55 min
